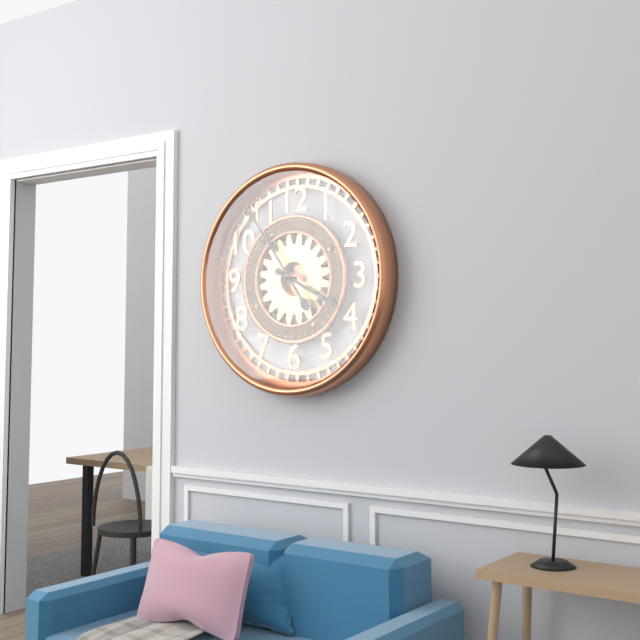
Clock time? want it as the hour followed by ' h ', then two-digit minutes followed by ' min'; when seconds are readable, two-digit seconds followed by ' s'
3 h 54 min
